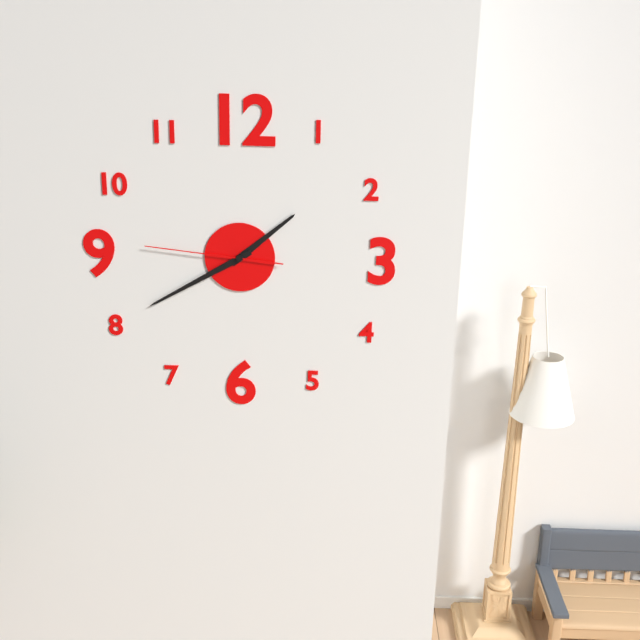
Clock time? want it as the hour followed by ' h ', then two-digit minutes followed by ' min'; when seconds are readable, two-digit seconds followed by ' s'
1 h 40 min 46 s
